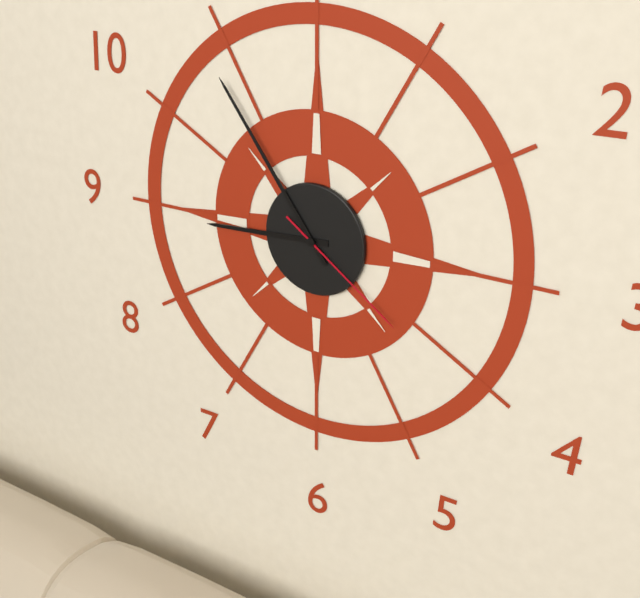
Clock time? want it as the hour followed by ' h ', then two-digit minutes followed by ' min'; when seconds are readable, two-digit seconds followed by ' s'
8 h 54 min 21 s
